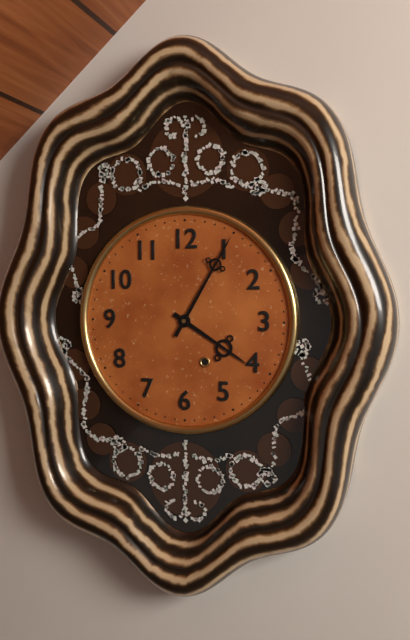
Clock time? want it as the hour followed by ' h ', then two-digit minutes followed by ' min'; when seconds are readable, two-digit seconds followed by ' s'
4 h 05 min
